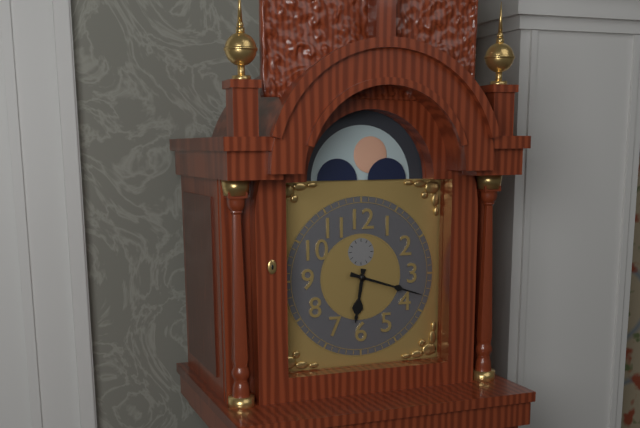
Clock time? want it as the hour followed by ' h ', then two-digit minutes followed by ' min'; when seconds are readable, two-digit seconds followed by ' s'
6 h 18 min
